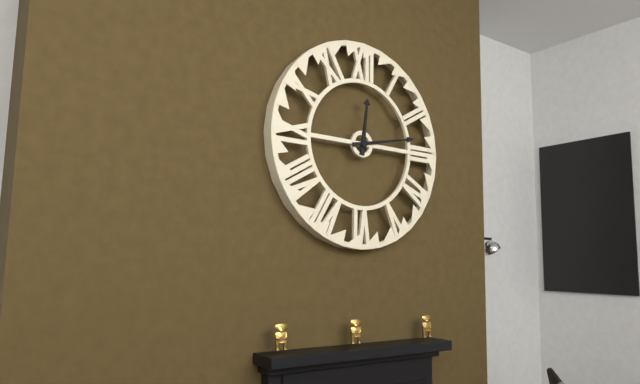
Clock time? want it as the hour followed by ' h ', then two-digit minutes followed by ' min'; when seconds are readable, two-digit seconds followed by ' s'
12 h 13 min
